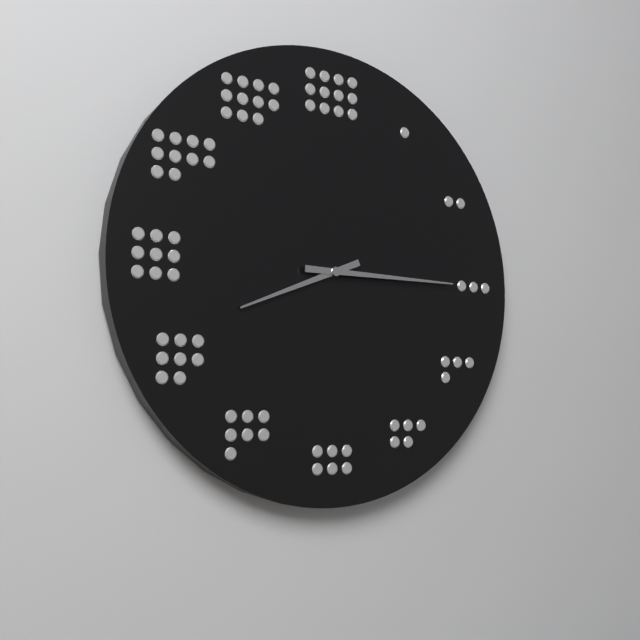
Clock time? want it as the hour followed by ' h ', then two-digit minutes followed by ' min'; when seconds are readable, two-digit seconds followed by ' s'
8 h 15 min
